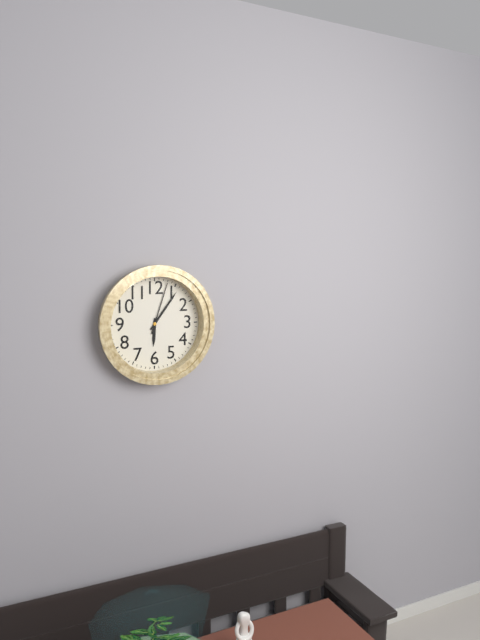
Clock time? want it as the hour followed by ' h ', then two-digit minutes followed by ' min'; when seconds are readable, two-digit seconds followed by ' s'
6 h 06 min 03 s
